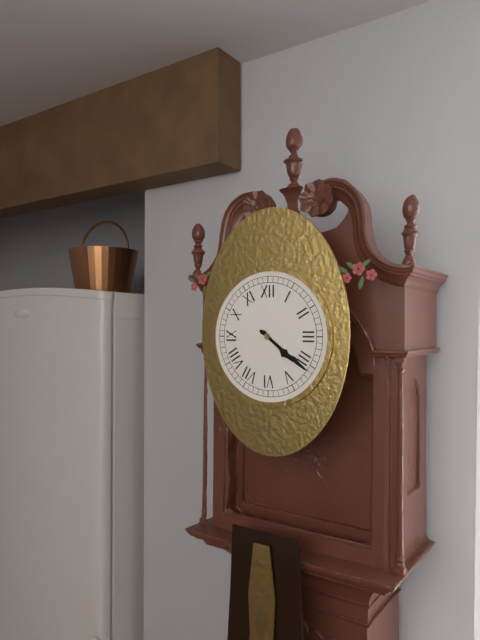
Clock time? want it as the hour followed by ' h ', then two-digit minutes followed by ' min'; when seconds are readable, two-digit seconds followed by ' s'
4 h 21 min
